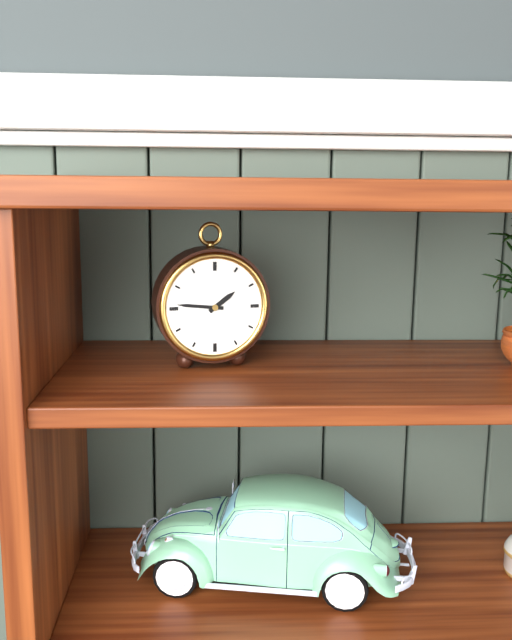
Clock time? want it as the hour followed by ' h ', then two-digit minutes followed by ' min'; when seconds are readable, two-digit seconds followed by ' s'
1 h 46 min
